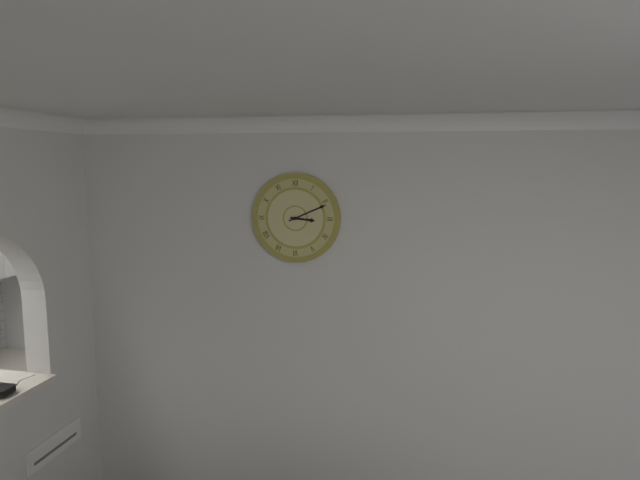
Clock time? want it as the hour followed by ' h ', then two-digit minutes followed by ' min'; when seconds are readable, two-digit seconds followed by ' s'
3 h 11 min
